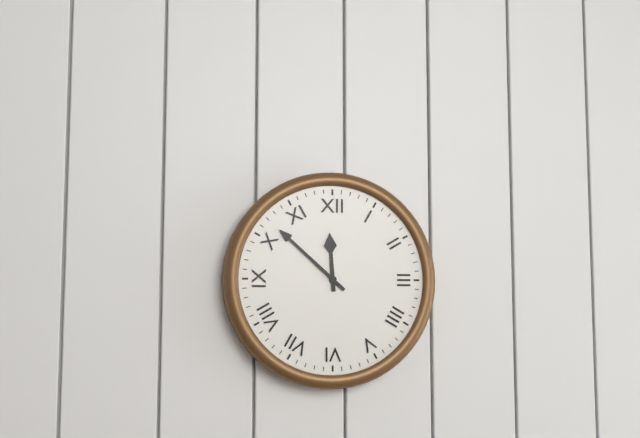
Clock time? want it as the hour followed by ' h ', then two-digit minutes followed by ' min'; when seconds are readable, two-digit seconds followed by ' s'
11 h 52 min
